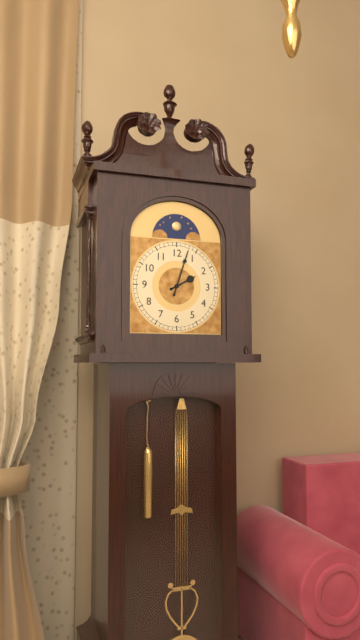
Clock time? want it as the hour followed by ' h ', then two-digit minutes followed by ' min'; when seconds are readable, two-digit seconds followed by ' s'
2 h 03 min
